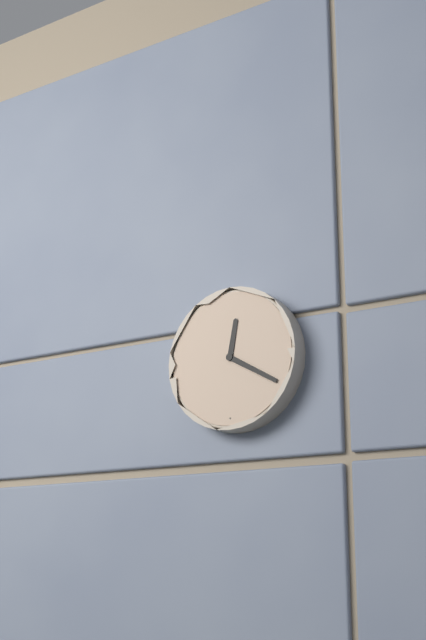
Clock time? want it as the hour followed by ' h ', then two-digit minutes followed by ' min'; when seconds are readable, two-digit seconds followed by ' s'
12 h 20 min
